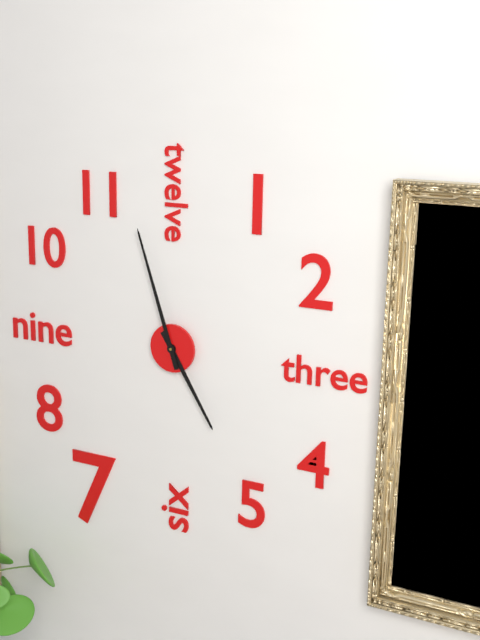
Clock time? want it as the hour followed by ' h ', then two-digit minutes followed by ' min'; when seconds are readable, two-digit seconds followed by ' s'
4 h 57 min
